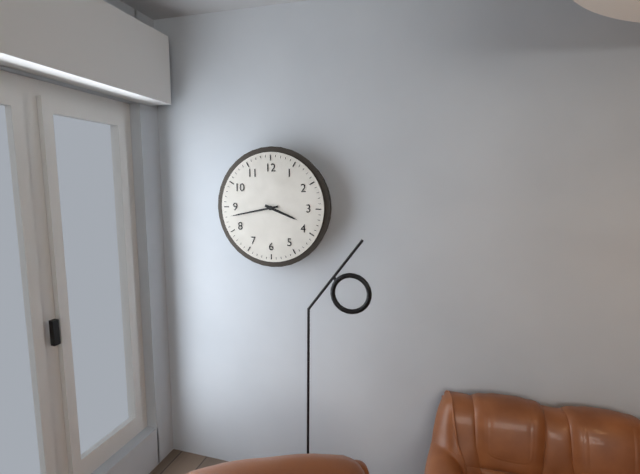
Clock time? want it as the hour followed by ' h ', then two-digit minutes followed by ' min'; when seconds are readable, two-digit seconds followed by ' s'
3 h 43 min
